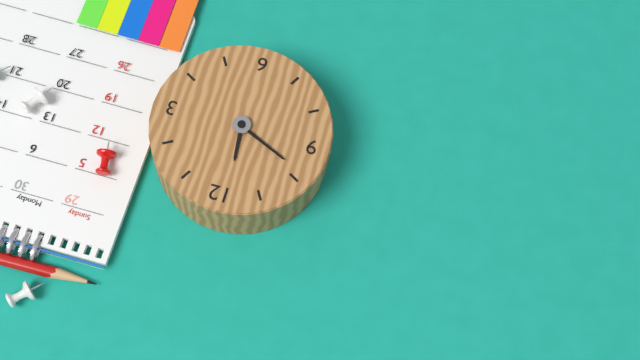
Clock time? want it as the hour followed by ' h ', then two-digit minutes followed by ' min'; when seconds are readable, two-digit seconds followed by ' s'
11 h 49 min
